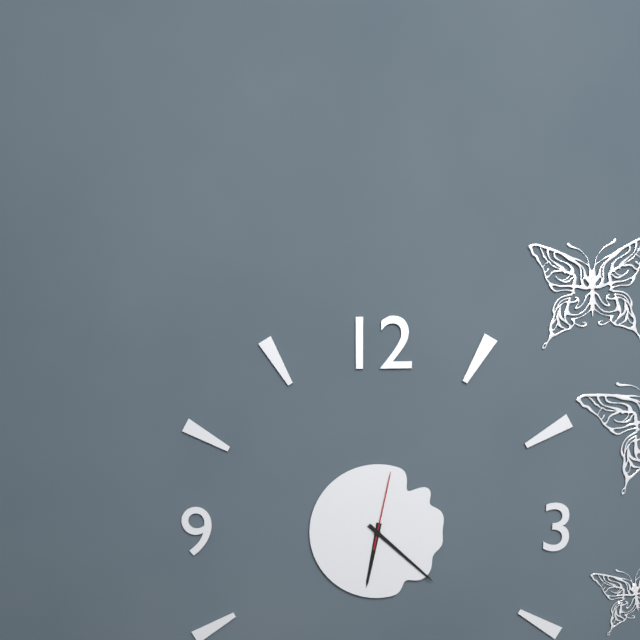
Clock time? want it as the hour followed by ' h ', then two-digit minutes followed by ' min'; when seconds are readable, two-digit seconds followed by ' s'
6 h 22 min 02 s
